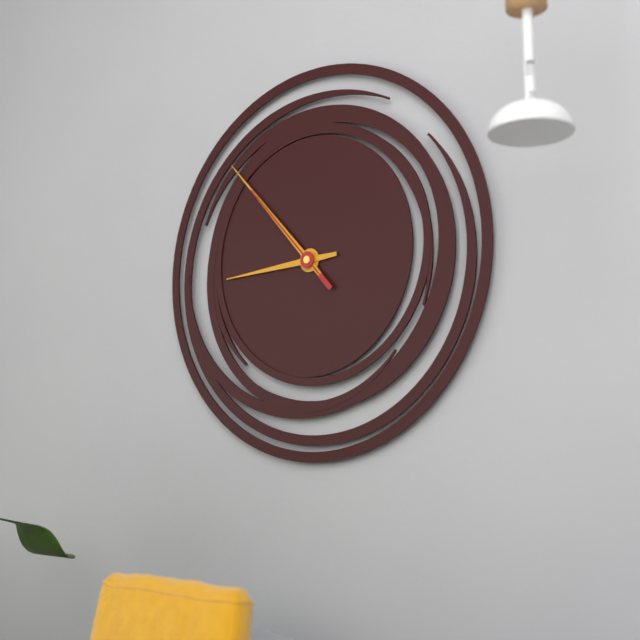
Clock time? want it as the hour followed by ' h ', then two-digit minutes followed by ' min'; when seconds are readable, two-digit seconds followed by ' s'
8 h 53 min 53 s
